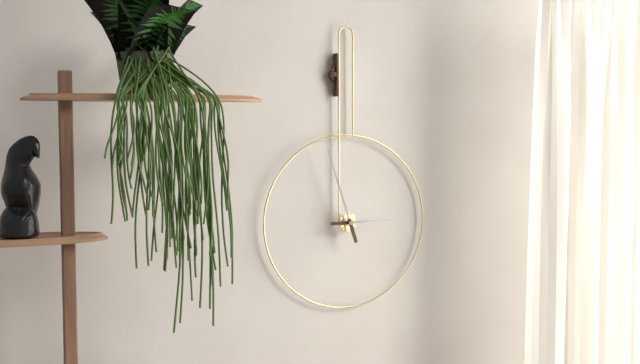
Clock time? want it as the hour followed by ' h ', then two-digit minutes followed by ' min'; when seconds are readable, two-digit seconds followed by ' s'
2 h 57 min
